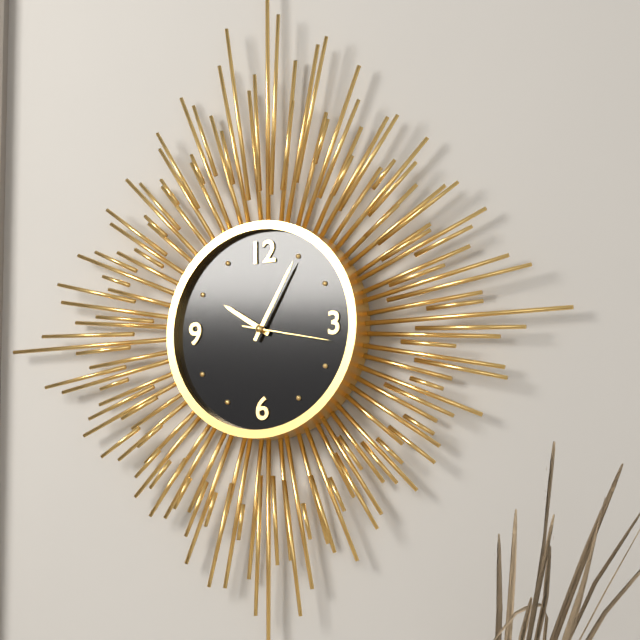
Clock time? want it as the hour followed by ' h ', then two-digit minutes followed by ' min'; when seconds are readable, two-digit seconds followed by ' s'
10 h 05 min 17 s
